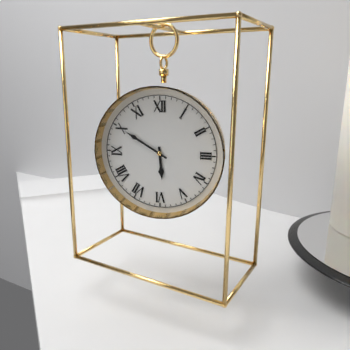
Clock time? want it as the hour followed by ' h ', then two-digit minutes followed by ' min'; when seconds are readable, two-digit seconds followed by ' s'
5 h 50 min
